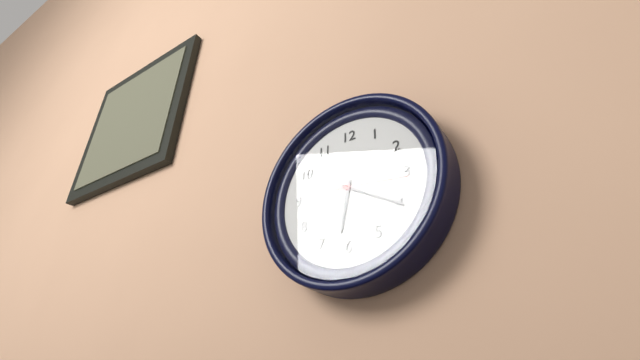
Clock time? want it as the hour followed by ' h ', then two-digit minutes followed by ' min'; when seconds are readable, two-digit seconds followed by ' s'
6 h 20 min 16 s
